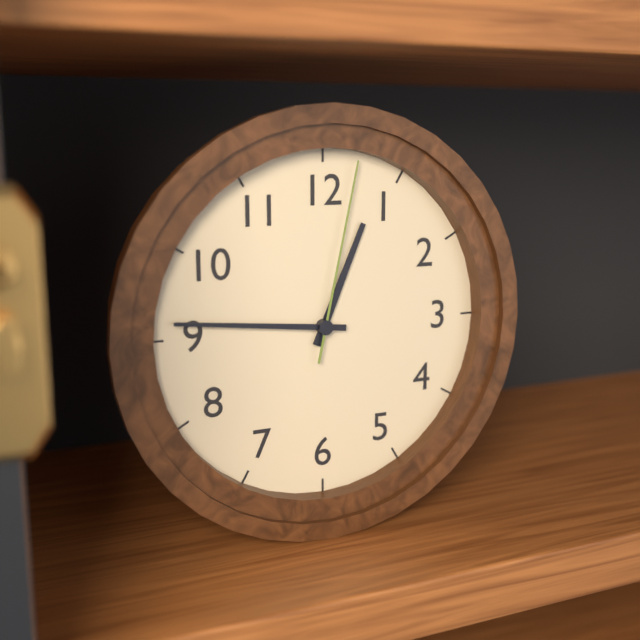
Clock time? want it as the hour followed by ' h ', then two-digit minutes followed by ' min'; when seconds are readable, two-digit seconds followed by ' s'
12 h 46 min 02 s
